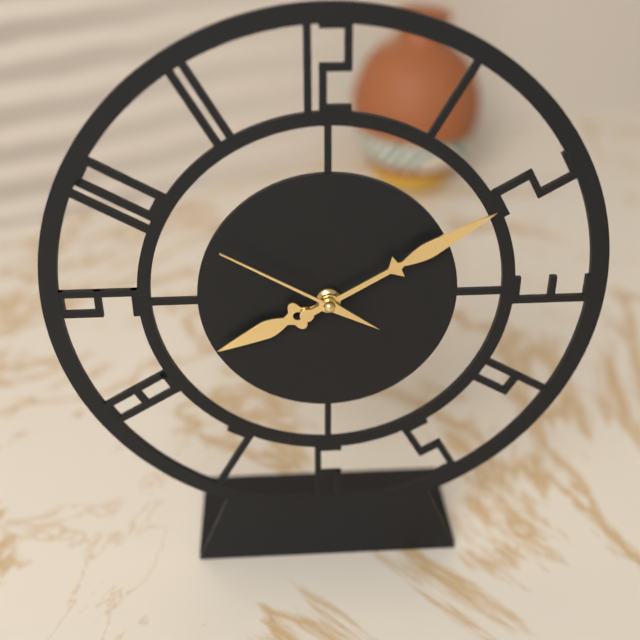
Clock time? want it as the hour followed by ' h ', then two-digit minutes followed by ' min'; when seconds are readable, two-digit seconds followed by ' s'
8 h 10 min 50 s
